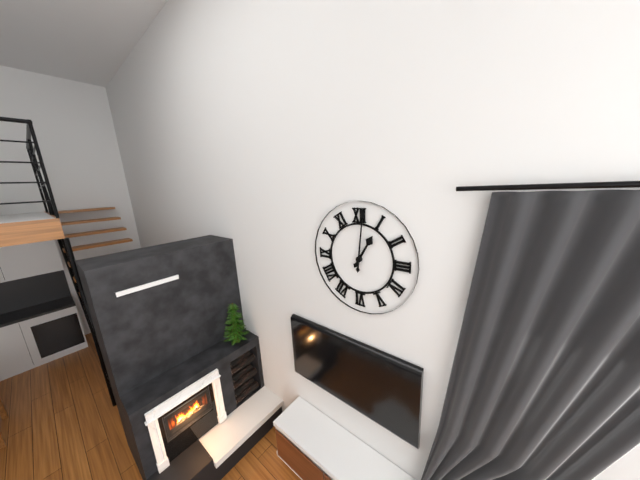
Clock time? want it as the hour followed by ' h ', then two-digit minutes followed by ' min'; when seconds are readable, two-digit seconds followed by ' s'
1 h 01 min
